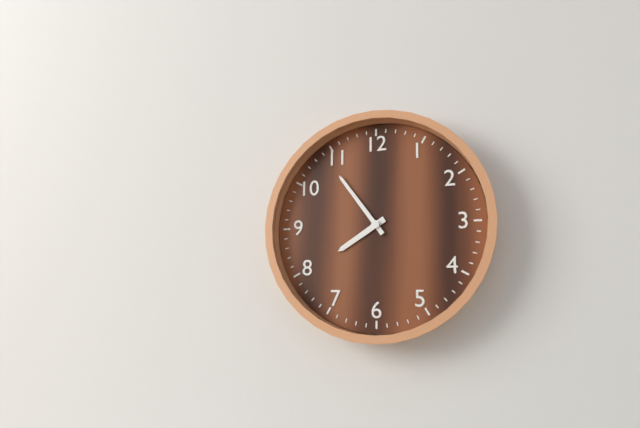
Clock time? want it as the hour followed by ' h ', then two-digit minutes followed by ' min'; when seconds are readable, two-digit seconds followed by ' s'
7 h 54 min
